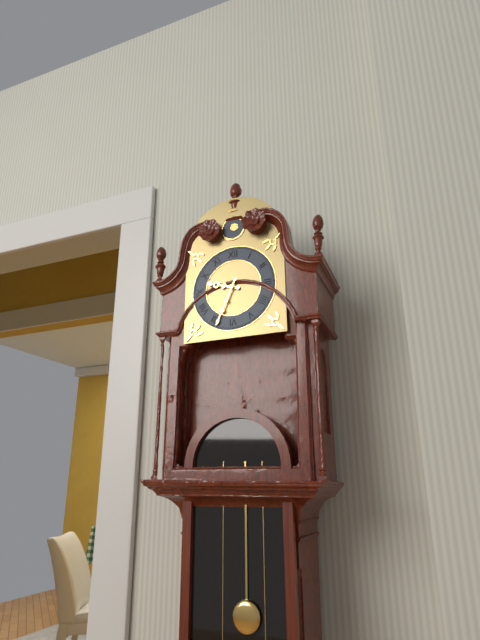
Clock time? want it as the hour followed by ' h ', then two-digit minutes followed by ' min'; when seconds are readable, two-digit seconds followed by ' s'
9 h 34 min
